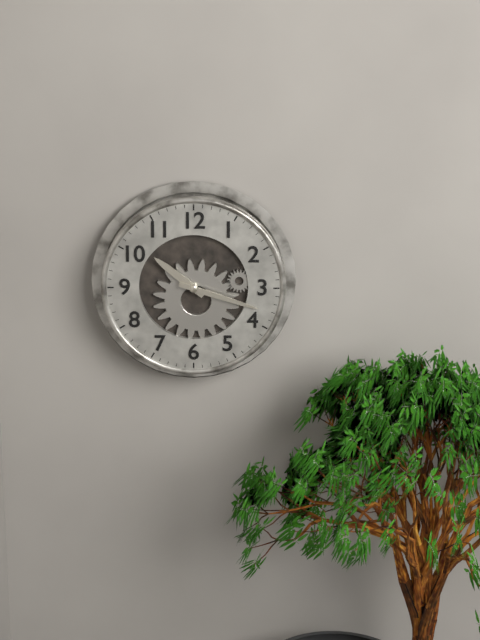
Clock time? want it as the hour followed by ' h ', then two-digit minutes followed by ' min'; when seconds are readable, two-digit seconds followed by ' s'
10 h 18 min
